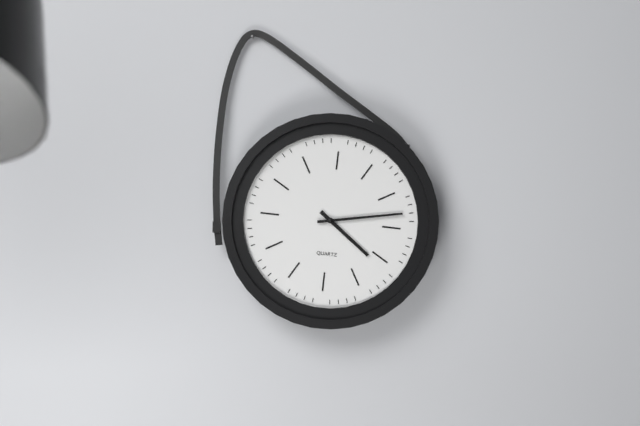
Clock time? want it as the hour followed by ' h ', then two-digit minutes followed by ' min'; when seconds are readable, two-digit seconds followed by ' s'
4 h 13 min
